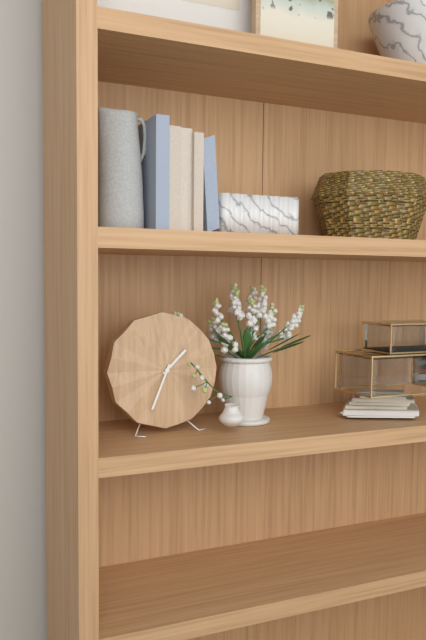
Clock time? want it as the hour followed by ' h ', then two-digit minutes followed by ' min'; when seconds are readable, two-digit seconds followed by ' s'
1 h 34 min
